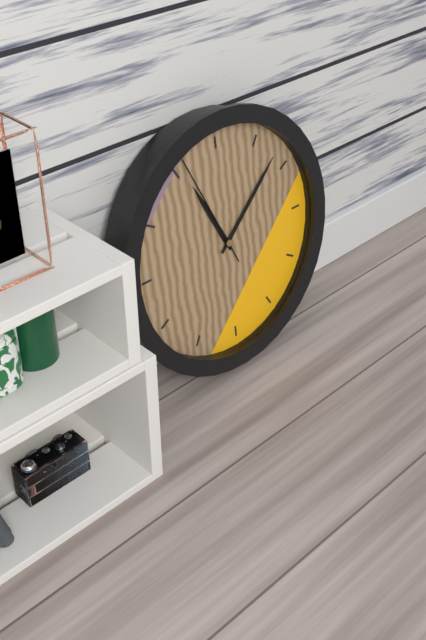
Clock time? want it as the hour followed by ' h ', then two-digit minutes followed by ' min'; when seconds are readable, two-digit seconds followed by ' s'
11 h 08 min 56 s
